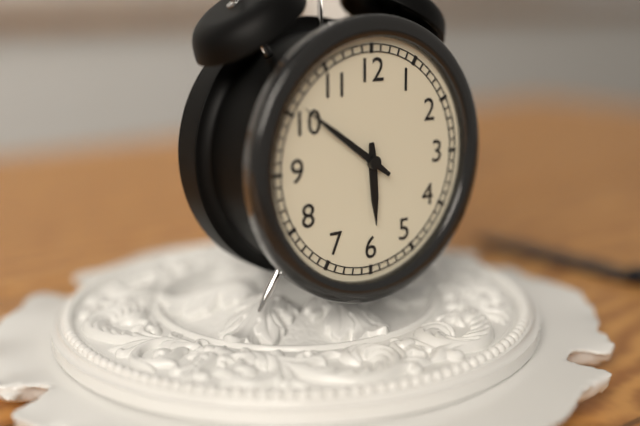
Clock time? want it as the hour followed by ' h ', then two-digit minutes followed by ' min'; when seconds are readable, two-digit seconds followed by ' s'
5 h 51 min
